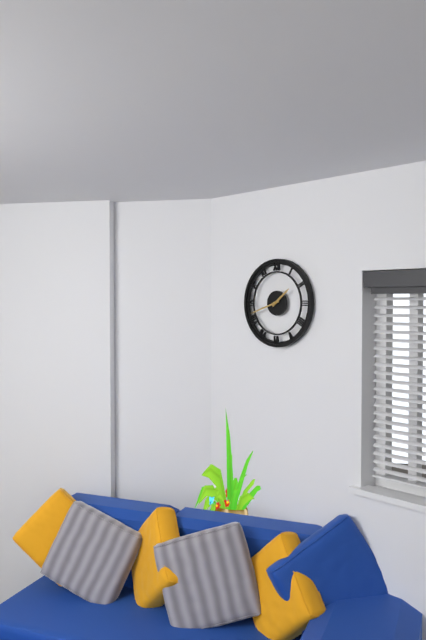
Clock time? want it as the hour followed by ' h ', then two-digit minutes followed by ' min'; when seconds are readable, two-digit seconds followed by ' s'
1 h 42 min
